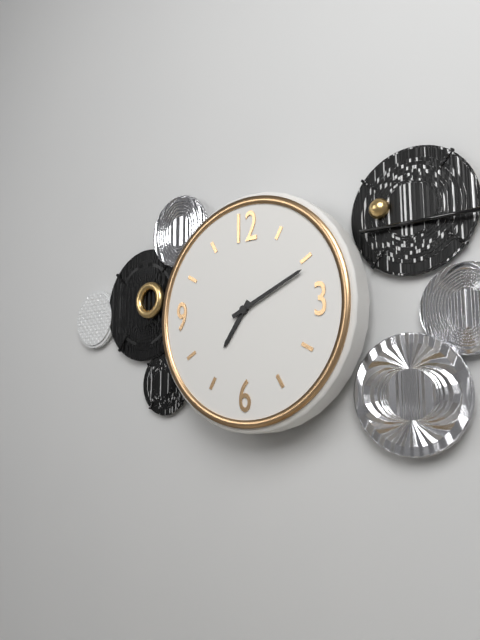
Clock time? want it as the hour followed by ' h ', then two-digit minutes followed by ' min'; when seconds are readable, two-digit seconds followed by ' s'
7 h 11 min
